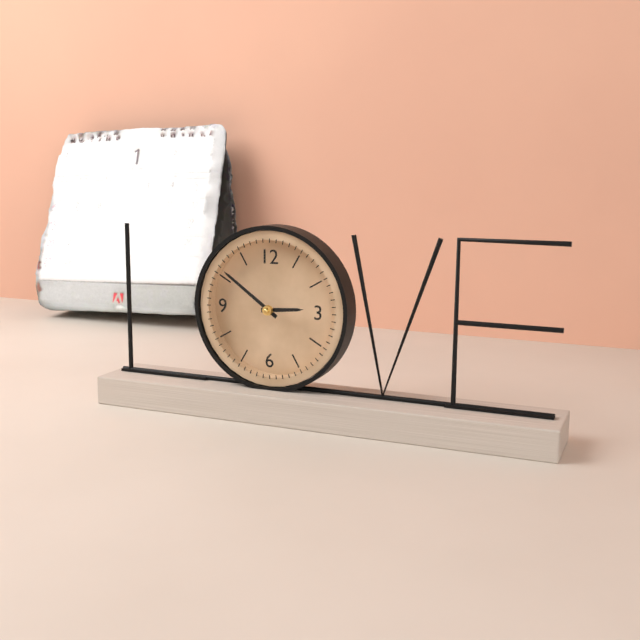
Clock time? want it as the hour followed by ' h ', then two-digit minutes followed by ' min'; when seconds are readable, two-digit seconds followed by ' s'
2 h 51 min
